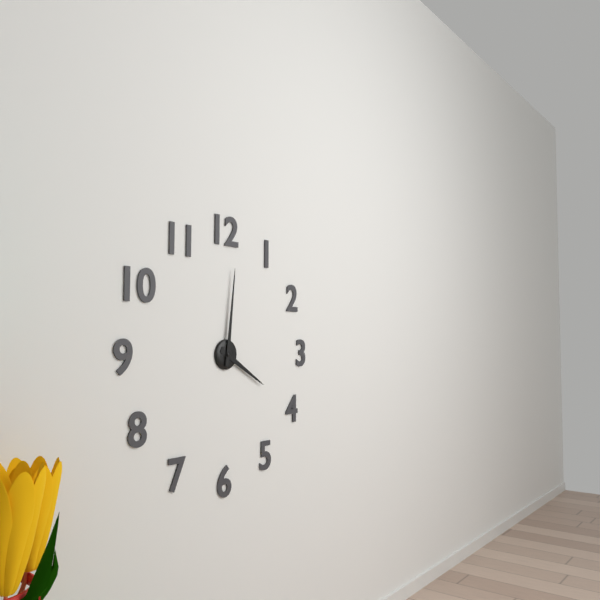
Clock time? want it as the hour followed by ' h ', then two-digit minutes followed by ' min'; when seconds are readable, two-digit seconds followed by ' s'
4 h 01 min
